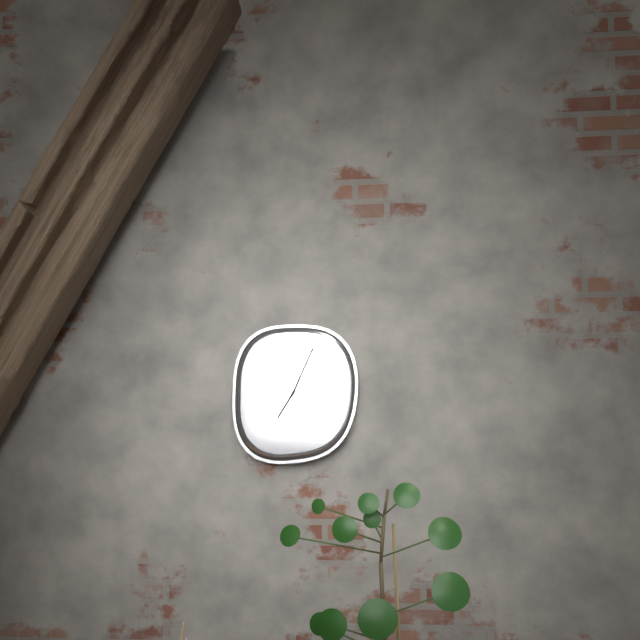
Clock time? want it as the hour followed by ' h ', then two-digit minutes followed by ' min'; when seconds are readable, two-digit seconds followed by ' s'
7 h 04 min
